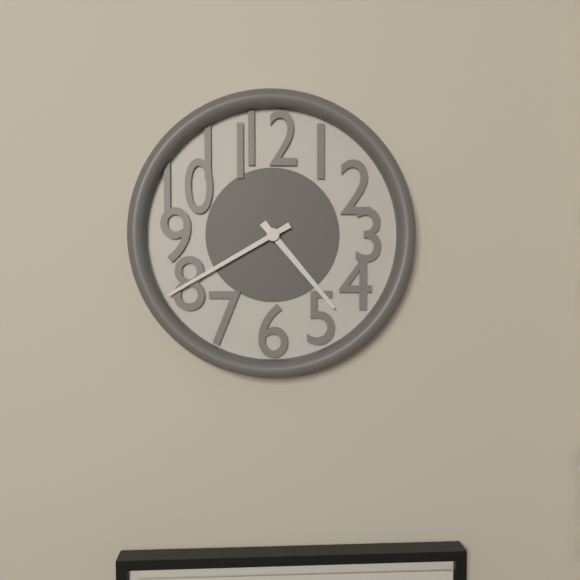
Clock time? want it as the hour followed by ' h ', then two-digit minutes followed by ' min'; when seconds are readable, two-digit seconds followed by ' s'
4 h 40 min
